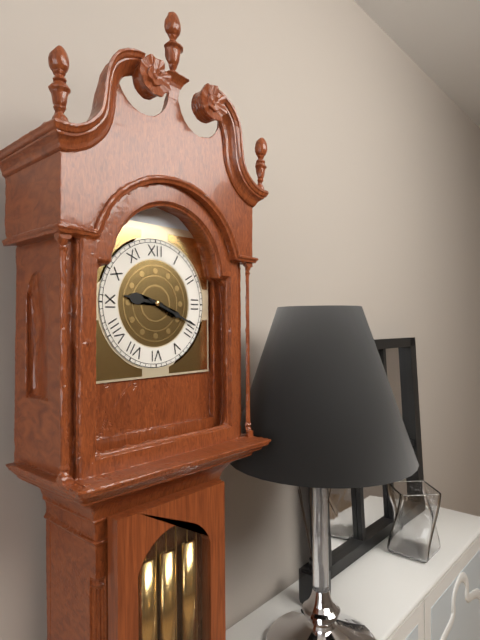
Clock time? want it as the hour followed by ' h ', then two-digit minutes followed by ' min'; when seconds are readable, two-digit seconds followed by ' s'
9 h 19 min
